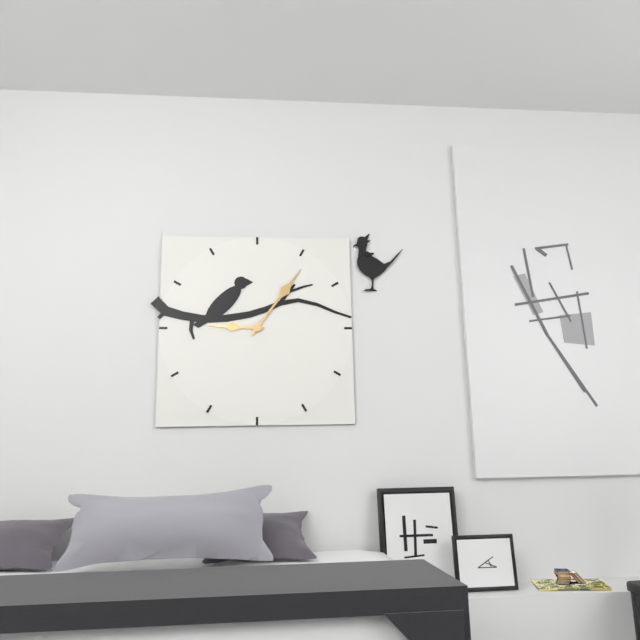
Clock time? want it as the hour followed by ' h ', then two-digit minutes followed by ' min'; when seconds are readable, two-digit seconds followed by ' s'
9 h 06 min
